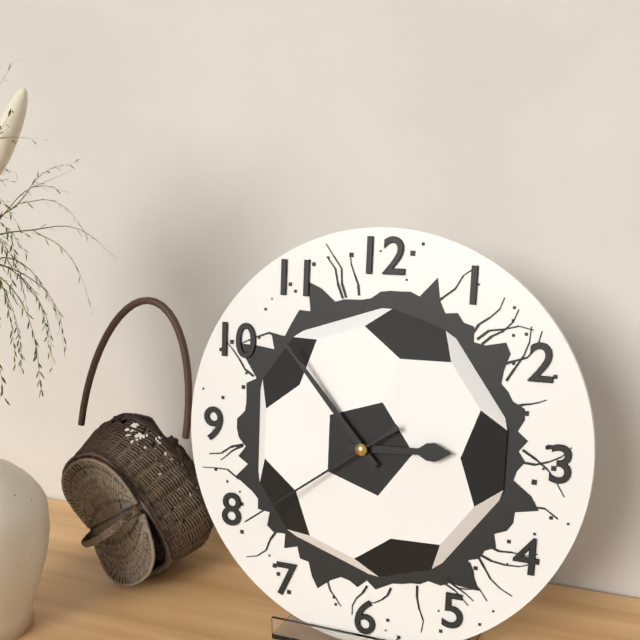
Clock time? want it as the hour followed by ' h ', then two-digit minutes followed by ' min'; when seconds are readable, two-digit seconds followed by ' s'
2 h 53 min 39 s
